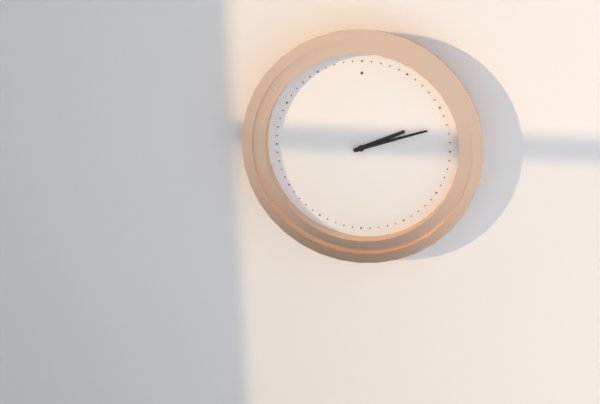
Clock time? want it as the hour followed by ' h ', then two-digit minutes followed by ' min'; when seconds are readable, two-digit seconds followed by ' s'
2 h 12 min
